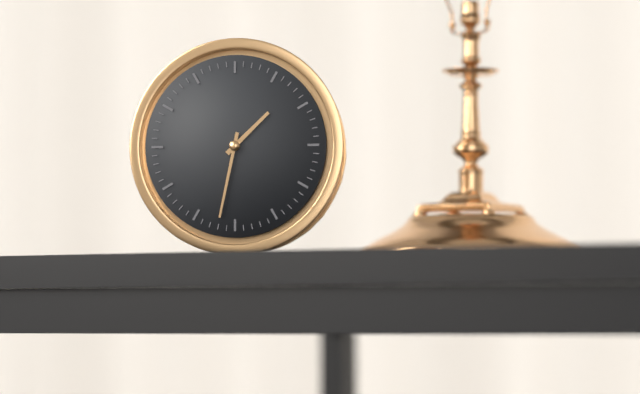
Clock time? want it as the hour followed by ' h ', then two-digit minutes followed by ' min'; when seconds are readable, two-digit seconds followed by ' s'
1 h 32 min
